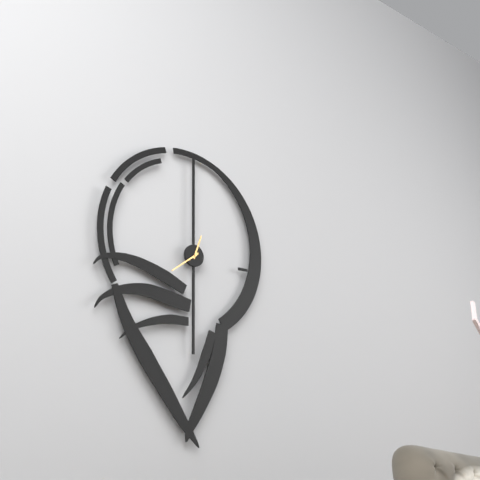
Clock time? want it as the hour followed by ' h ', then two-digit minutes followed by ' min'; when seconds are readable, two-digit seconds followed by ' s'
12 h 39 min
